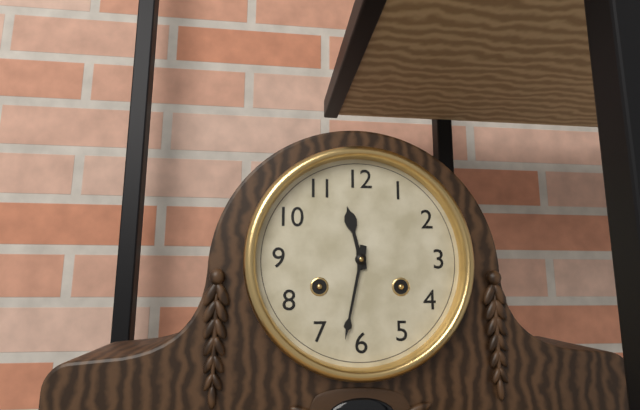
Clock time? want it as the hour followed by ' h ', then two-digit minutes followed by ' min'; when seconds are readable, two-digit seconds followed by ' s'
11 h 32 min
